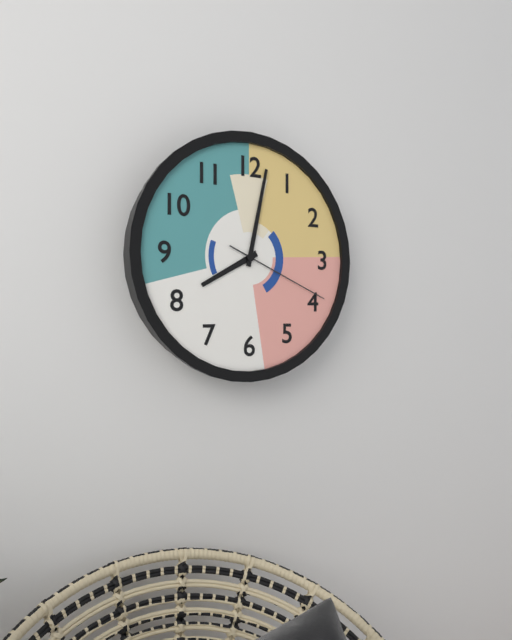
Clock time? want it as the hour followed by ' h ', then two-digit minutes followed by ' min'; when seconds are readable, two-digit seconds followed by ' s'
8 h 02 min 19 s
